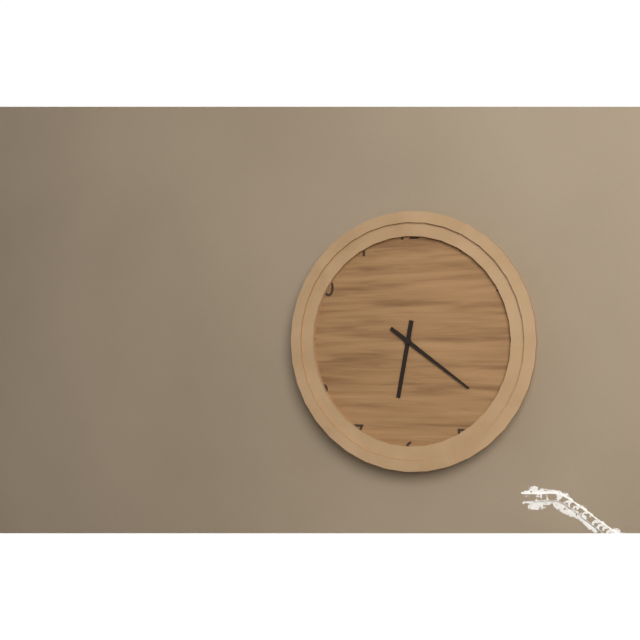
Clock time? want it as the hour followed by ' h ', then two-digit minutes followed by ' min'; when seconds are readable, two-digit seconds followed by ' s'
6 h 21 min
